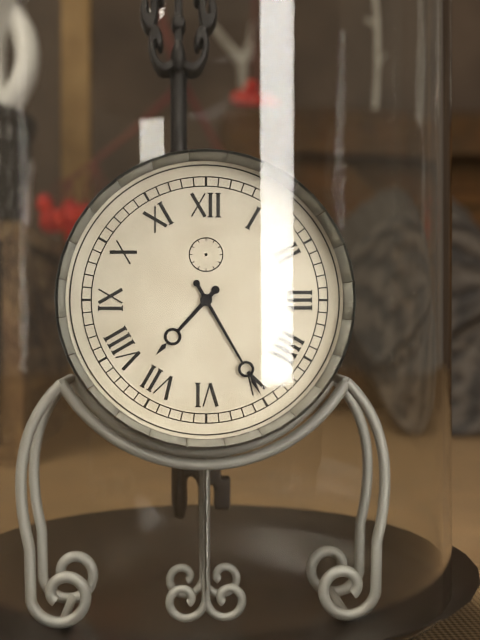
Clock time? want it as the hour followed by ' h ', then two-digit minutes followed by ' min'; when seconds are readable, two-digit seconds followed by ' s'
7 h 25 min
